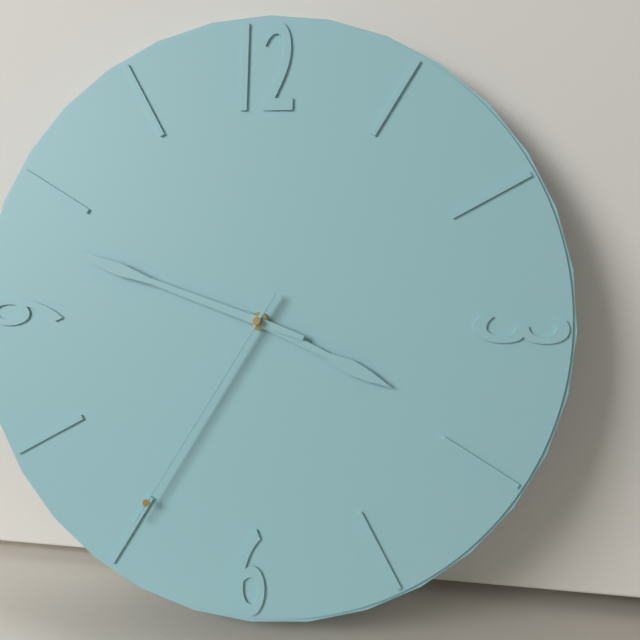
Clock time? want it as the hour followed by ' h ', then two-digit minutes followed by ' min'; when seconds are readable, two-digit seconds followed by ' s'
3 h 48 min 35 s
